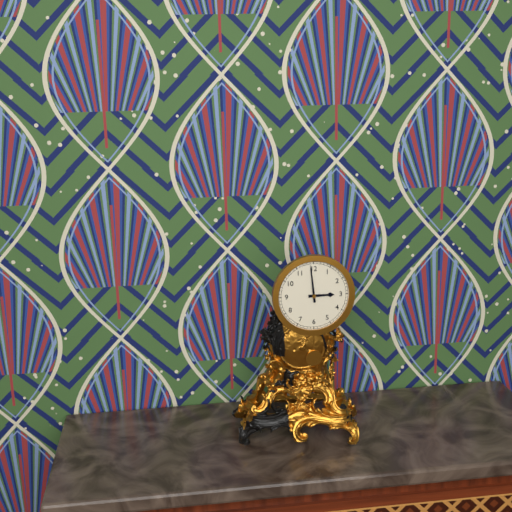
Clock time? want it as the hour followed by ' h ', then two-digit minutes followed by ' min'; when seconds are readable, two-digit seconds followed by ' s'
2 h 59 min
